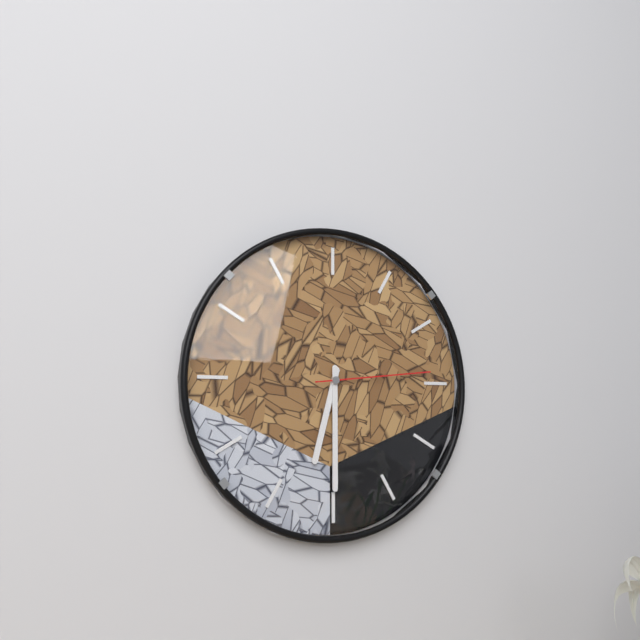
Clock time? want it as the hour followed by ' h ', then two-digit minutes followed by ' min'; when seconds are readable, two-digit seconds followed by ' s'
6 h 30 min 14 s
